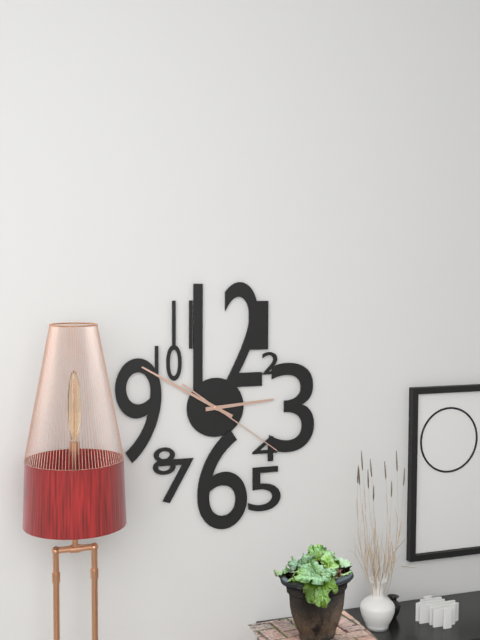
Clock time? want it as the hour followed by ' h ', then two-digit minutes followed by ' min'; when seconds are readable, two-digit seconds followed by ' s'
2 h 50 min 21 s
